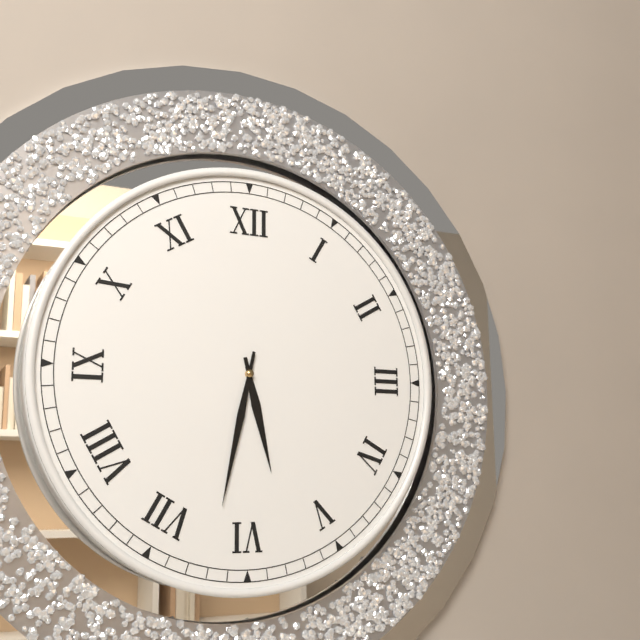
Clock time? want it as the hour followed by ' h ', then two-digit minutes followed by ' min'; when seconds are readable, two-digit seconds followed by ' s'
5 h 32 min
